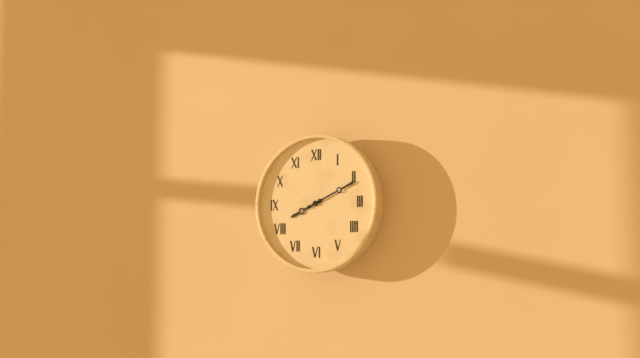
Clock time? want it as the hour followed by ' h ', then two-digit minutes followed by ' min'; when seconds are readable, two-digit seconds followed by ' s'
8 h 11 min
